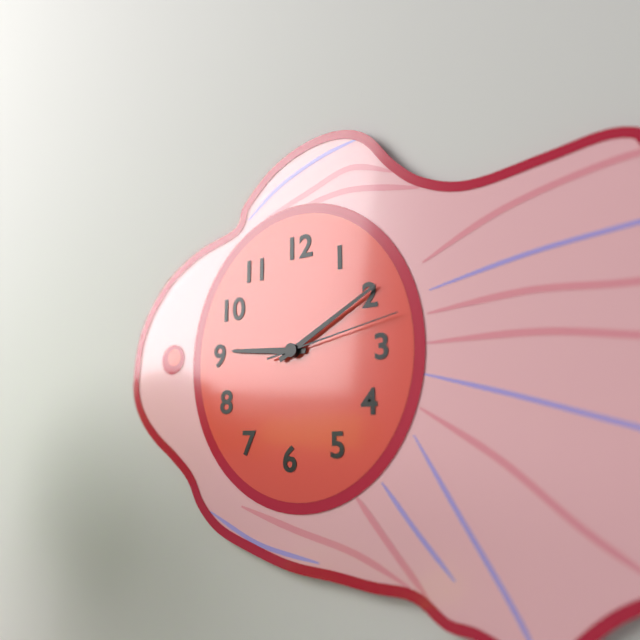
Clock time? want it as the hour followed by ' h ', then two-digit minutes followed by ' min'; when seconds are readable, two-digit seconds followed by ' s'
9 h 10 min 13 s
